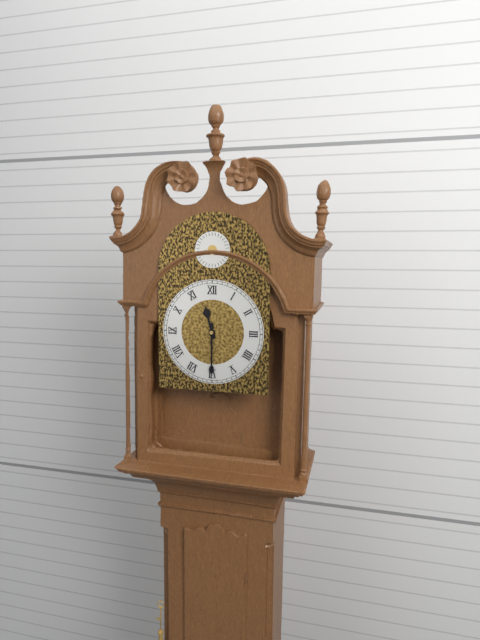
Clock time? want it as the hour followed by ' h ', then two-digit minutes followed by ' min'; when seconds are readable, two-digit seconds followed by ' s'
11 h 30 min
